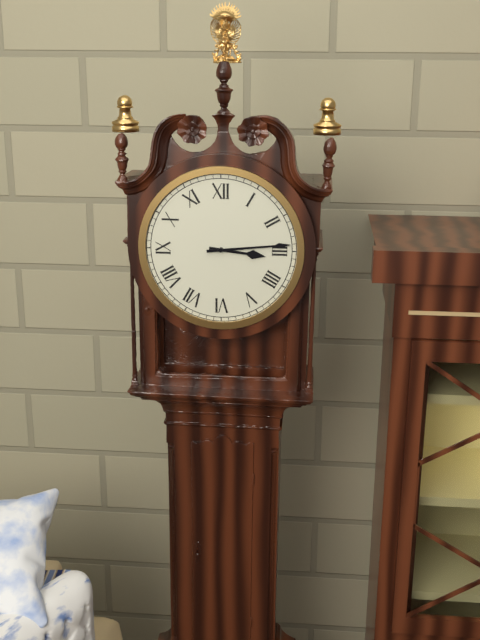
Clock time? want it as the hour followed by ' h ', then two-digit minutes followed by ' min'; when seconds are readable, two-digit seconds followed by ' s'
3 h 14 min
